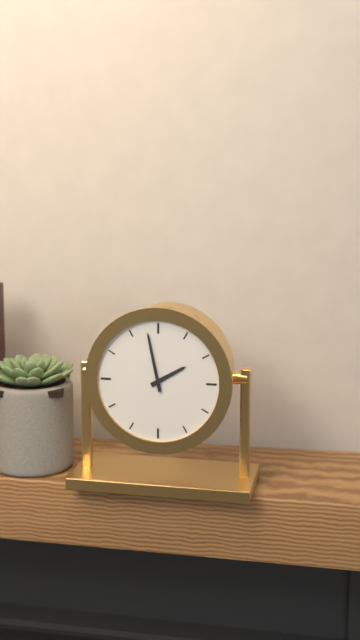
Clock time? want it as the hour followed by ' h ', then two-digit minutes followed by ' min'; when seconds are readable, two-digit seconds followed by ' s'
1 h 58 min
